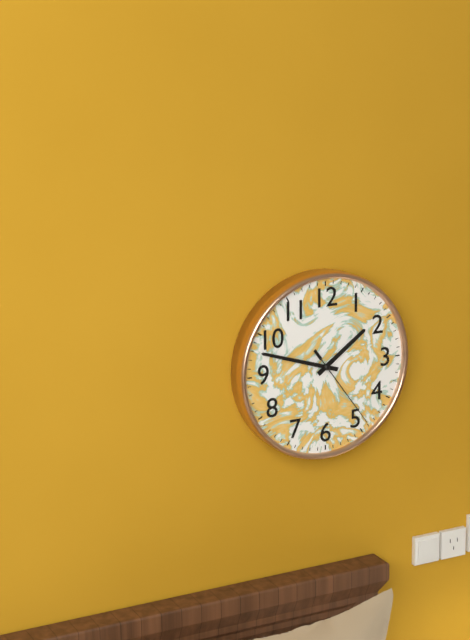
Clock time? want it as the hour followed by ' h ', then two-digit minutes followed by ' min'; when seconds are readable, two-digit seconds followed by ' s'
1 h 48 min 24 s
